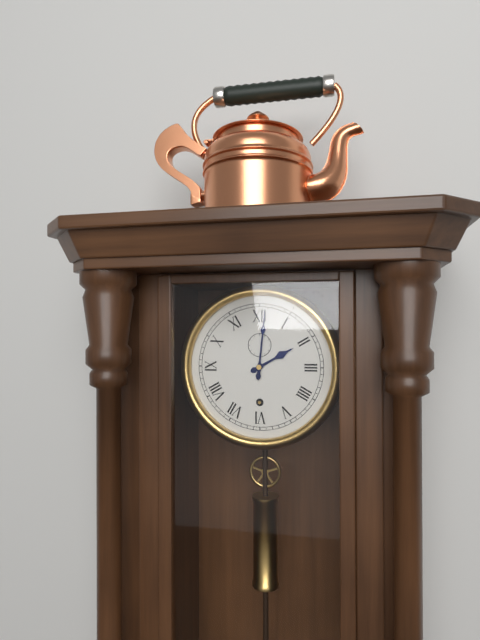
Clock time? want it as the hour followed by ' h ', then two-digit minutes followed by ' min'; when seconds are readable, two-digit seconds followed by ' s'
2 h 01 min
